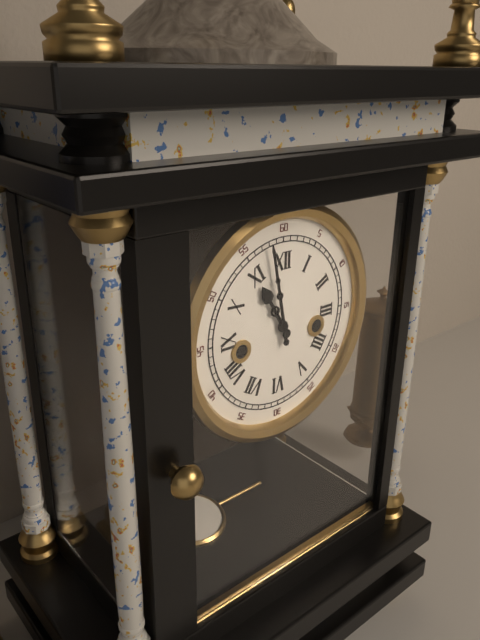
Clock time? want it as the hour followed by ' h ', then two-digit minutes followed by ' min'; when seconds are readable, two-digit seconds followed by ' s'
10 h 58 min
